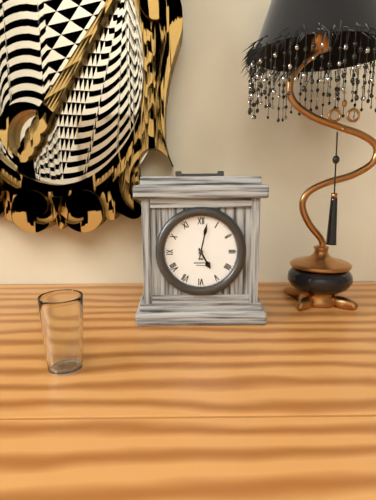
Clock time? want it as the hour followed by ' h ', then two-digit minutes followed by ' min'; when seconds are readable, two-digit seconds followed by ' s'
5 h 02 min
